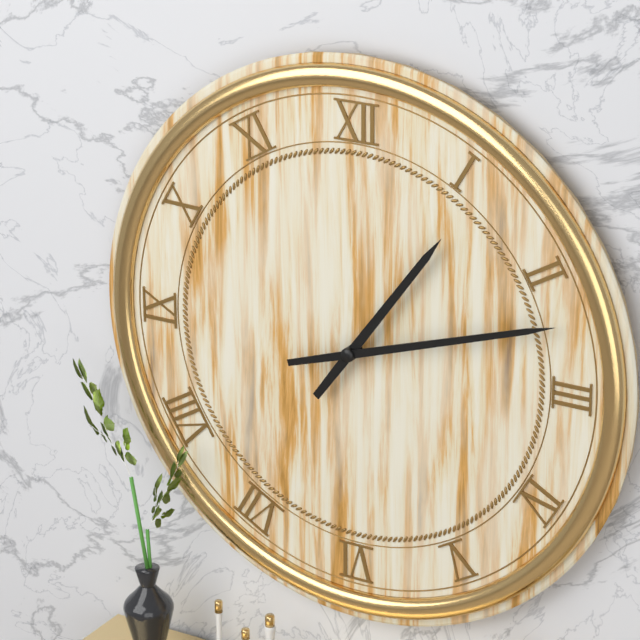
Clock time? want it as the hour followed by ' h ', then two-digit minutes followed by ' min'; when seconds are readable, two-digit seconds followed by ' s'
1 h 12 min
